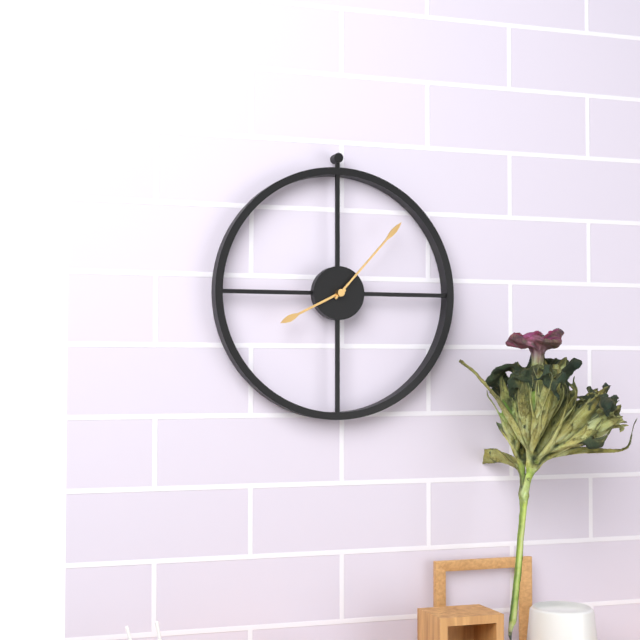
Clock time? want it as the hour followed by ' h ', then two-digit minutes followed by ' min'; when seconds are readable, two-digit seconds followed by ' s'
8 h 07 min
